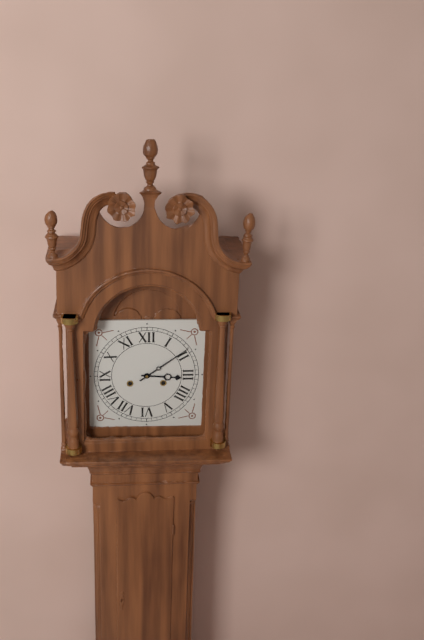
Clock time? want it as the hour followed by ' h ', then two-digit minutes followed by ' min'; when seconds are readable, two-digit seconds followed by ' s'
3 h 09 min
